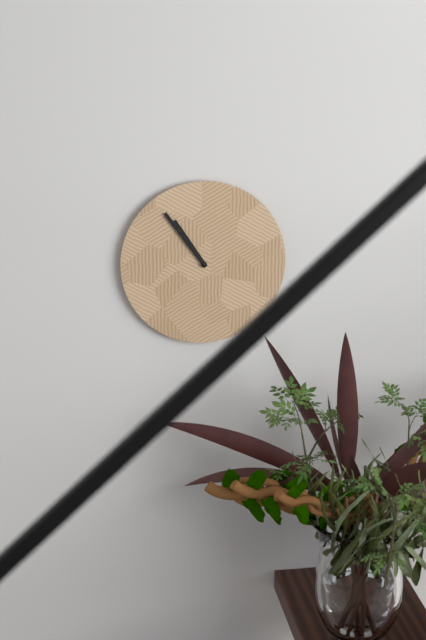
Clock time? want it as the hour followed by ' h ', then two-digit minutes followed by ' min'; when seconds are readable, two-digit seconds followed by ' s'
10 h 54 min
